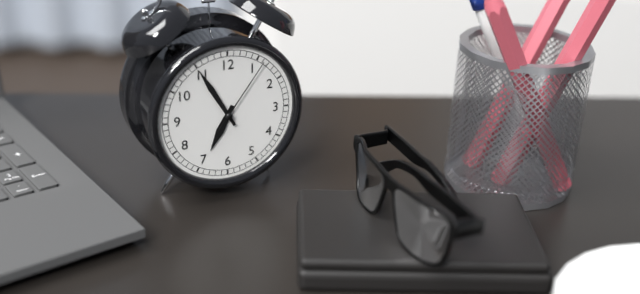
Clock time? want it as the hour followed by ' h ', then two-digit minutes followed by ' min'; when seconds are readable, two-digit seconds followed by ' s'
6 h 55 min 06 s
